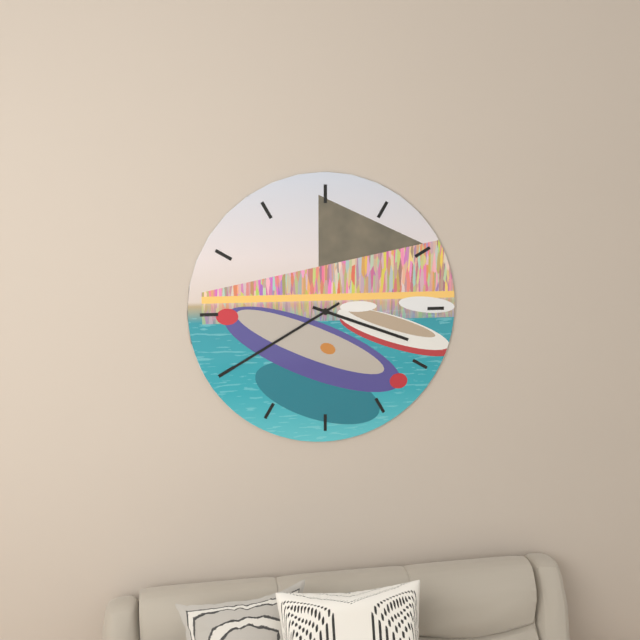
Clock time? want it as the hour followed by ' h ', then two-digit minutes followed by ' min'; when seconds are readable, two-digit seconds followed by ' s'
3 h 40 min
